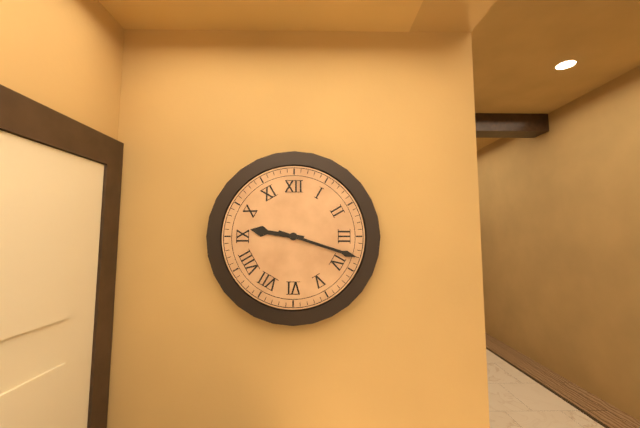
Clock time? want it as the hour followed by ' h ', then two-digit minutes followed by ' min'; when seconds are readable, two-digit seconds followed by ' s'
9 h 18 min
